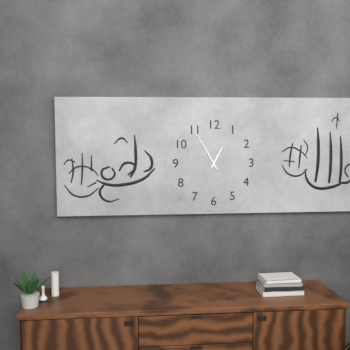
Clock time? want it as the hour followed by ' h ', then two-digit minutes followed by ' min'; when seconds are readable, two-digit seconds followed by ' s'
12 h 55 min
